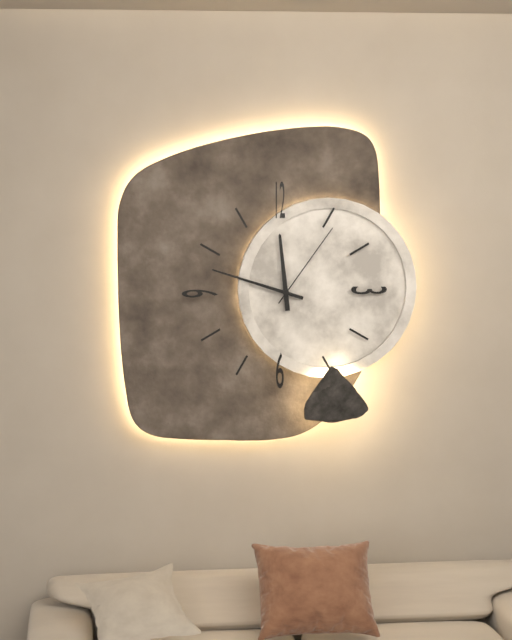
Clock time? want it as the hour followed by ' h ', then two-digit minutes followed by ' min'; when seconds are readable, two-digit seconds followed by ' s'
11 h 48 min 06 s
